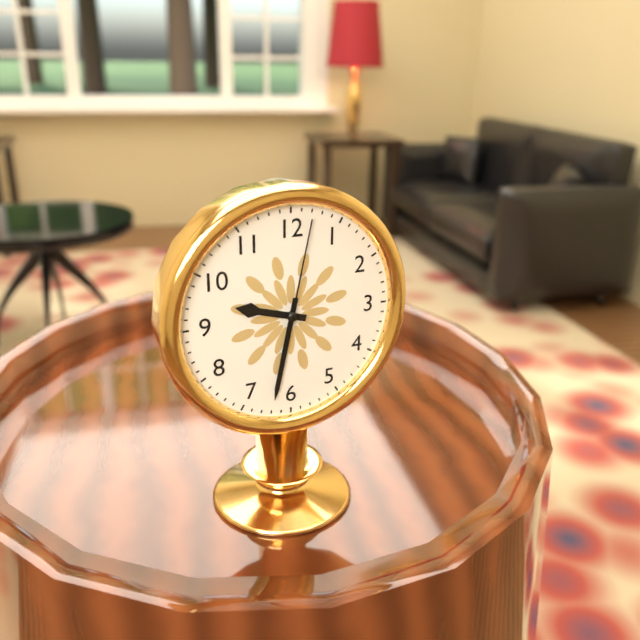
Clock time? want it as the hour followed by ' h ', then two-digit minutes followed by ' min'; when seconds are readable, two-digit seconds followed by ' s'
9 h 32 min 02 s
